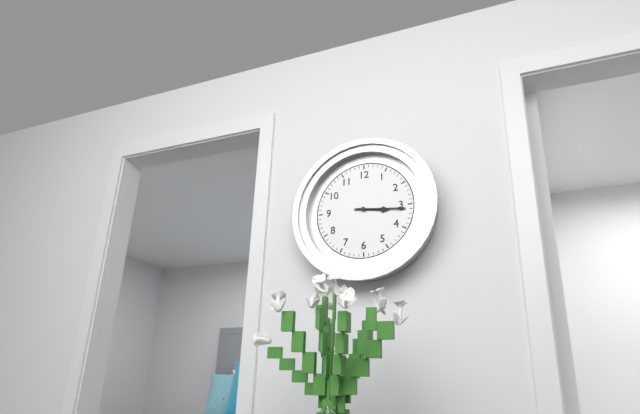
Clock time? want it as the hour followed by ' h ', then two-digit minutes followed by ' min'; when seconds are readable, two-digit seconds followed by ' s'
3 h 16 min
